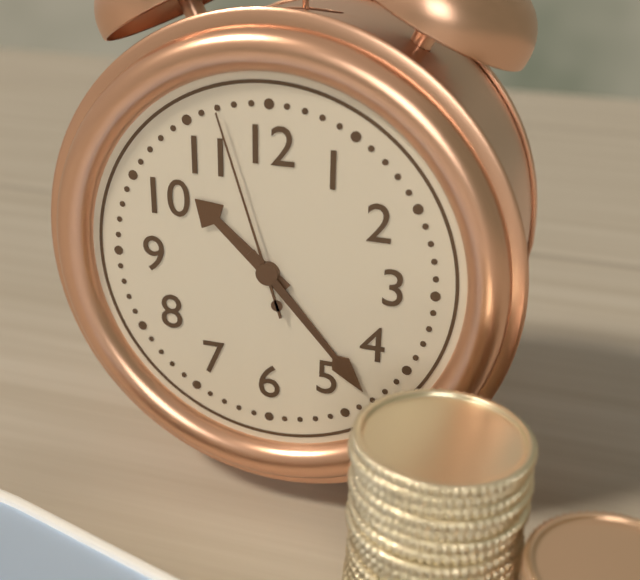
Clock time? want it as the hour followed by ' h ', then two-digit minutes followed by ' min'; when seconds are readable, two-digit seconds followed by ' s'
10 h 23 min 57 s
